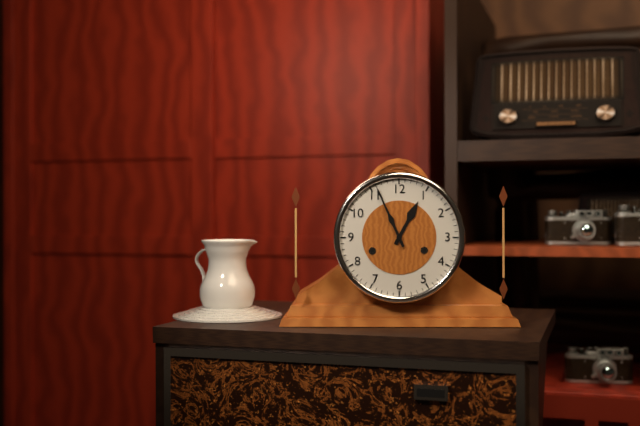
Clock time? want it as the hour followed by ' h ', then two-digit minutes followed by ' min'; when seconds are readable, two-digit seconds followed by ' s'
12 h 56 min
